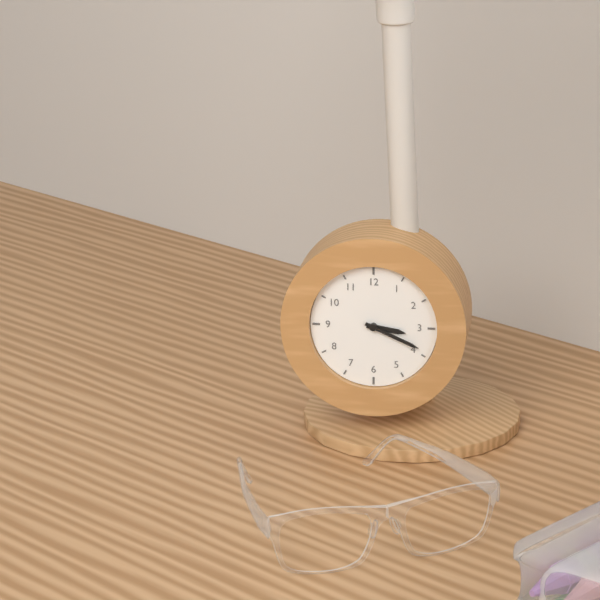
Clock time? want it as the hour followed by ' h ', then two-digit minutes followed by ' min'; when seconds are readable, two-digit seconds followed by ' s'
3 h 19 min
